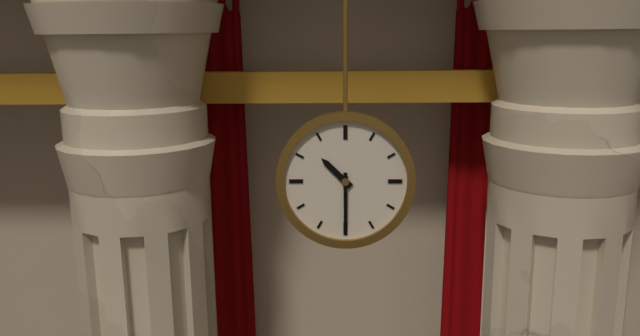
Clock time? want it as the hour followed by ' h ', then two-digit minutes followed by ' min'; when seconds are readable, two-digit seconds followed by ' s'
10 h 30 min
